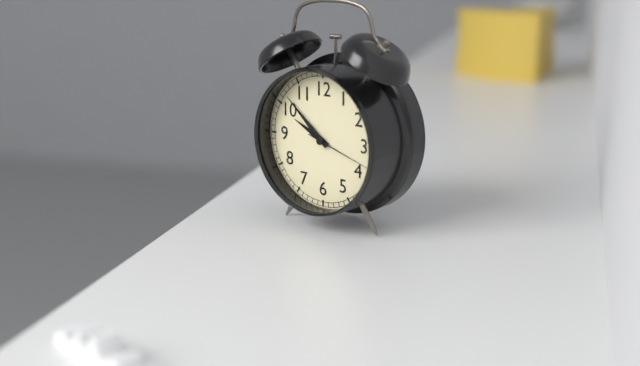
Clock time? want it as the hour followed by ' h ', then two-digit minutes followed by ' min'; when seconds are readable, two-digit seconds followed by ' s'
9 h 52 min 18 s
